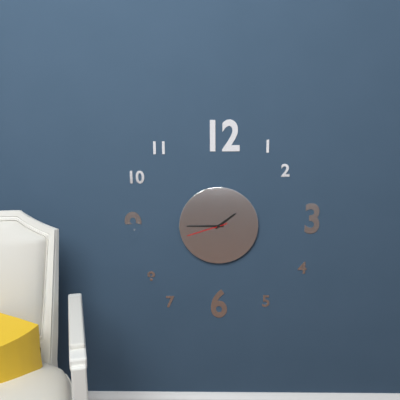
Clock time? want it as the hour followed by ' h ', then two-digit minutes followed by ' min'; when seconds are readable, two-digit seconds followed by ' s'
1 h 45 min
